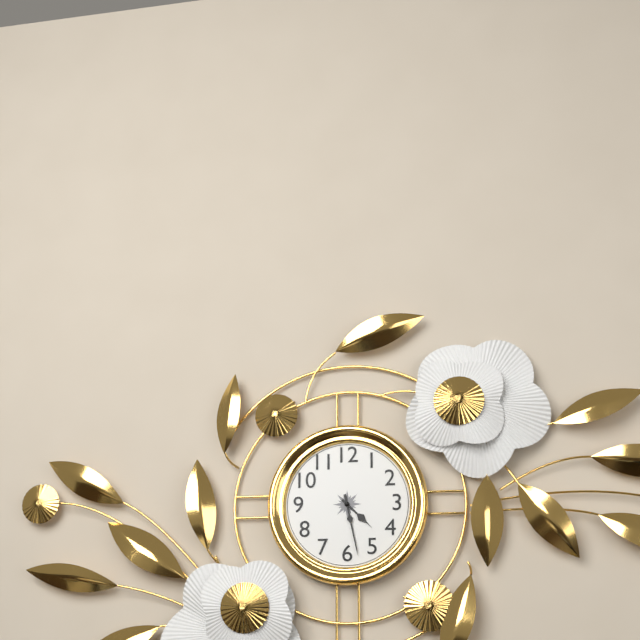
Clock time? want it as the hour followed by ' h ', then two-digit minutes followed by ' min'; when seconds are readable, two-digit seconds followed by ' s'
4 h 28 min
